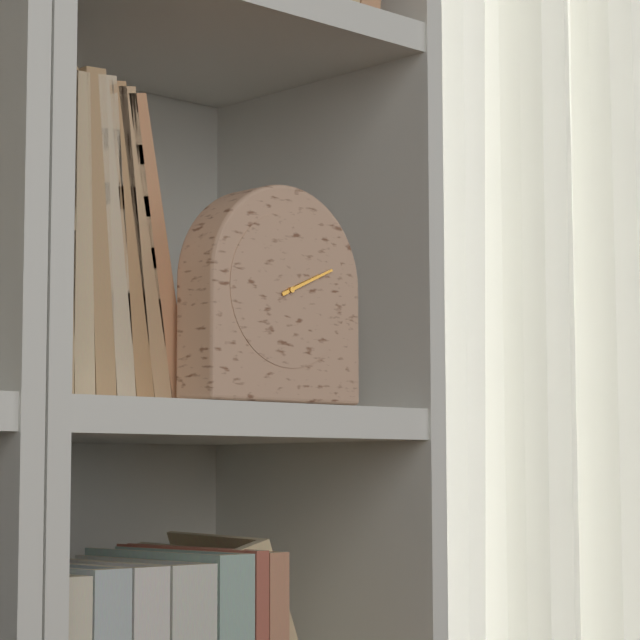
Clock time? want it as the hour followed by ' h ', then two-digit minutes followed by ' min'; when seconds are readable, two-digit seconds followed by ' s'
2 h 11 min
